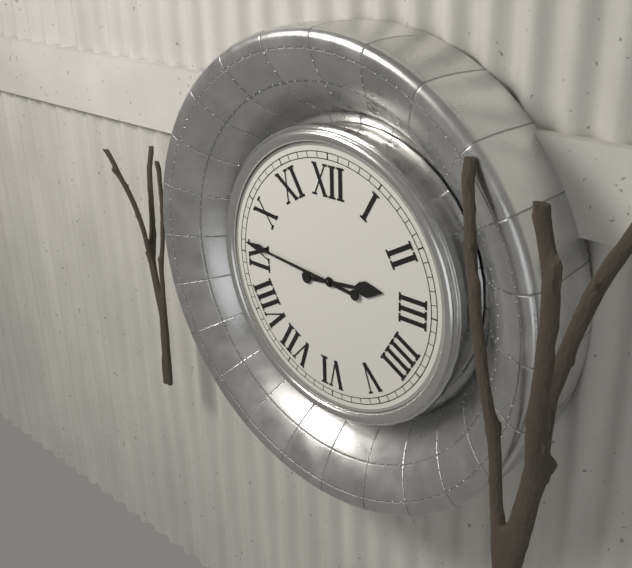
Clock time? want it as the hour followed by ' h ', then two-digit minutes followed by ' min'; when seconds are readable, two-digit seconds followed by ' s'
2 h 46 min
